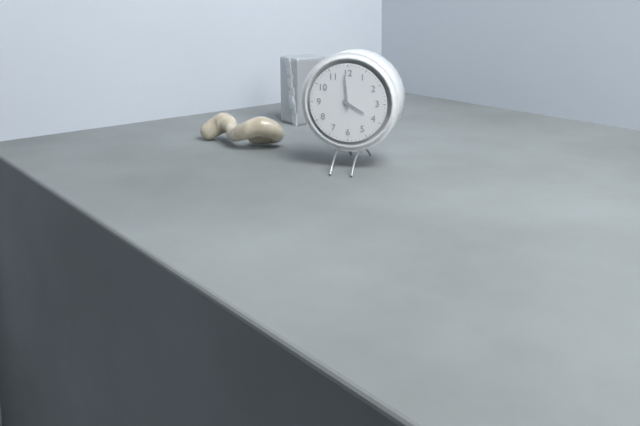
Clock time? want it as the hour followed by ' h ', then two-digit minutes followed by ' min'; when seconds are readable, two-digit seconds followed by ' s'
3 h 59 min
